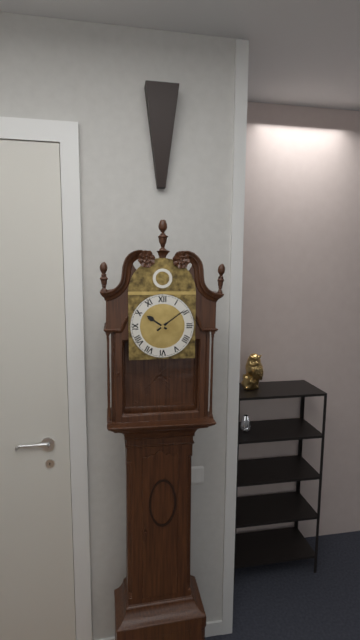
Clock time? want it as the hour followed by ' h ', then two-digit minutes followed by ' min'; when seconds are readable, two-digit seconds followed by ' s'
10 h 09 min
